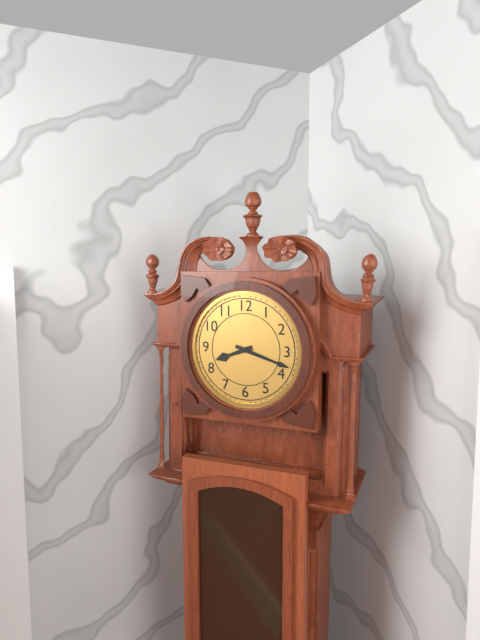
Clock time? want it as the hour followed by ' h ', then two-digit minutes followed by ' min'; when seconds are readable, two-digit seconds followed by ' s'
8 h 18 min
